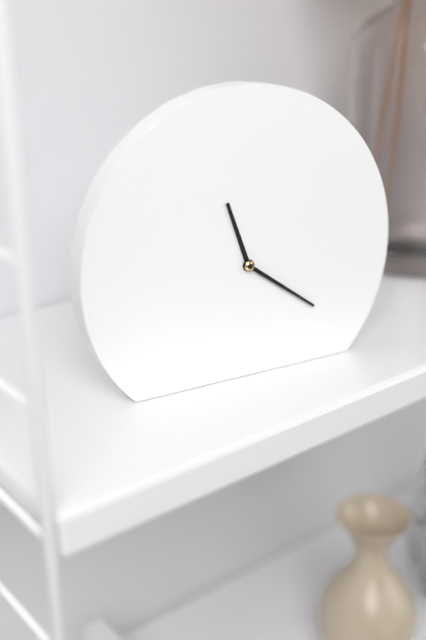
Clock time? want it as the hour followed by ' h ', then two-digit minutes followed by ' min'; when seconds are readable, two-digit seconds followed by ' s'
11 h 21 min
